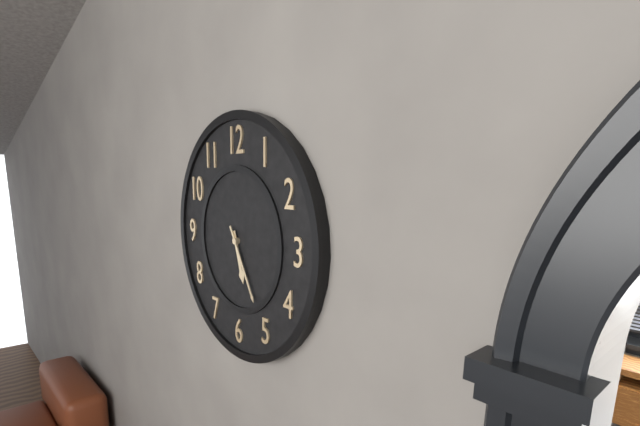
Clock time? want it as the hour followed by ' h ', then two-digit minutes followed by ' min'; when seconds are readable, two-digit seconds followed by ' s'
5 h 25 min
